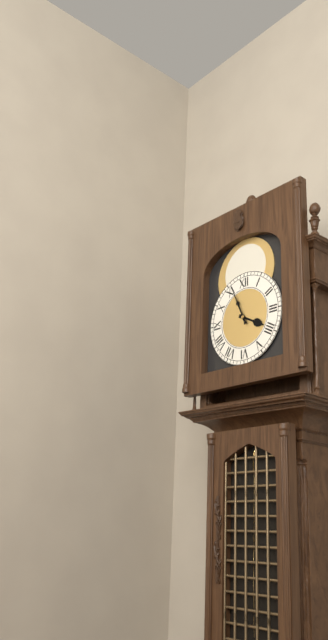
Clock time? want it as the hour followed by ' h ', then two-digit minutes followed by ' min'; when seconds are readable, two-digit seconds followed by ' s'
3 h 56 min
